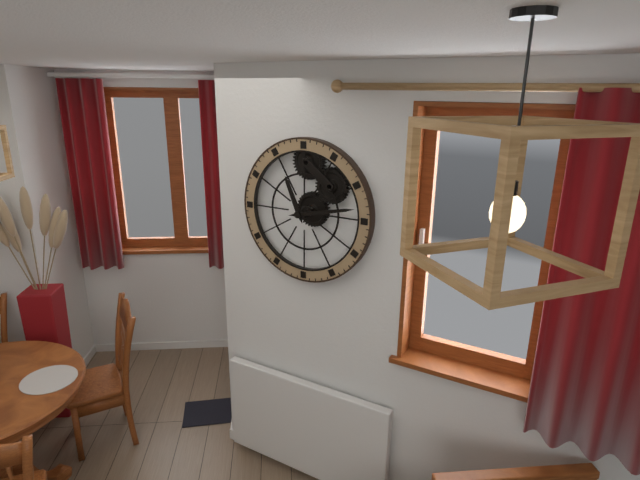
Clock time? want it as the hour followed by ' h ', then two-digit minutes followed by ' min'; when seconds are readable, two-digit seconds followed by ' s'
11 h 13 min
